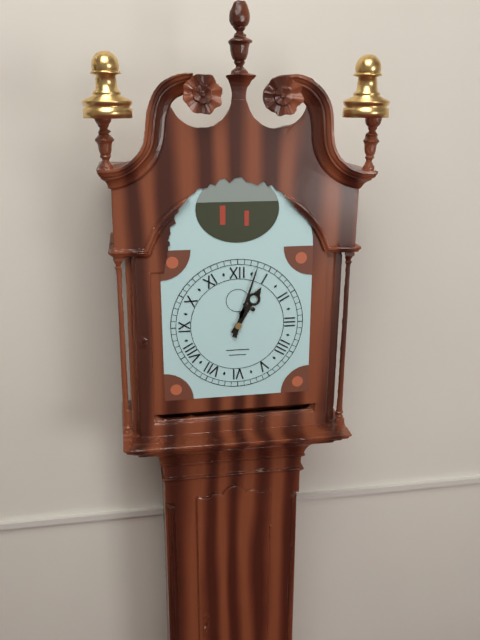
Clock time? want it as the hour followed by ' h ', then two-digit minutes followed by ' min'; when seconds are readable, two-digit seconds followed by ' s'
1 h 03 min
